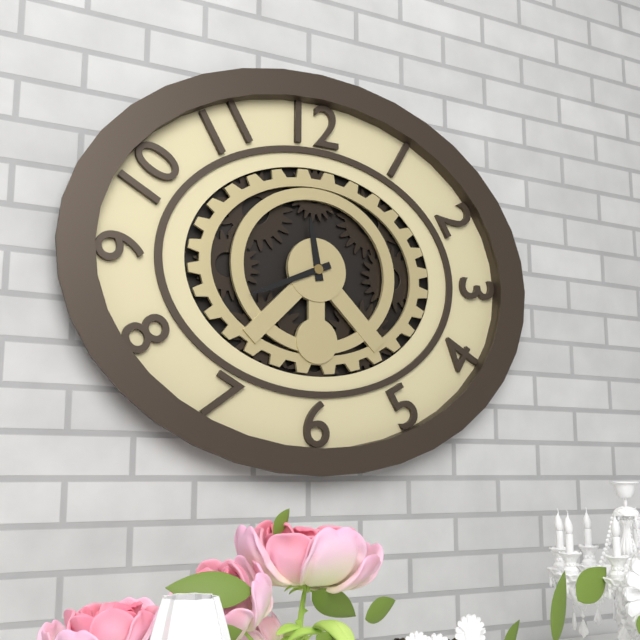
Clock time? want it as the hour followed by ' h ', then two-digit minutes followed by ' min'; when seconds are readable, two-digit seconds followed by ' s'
11 h 41 min
